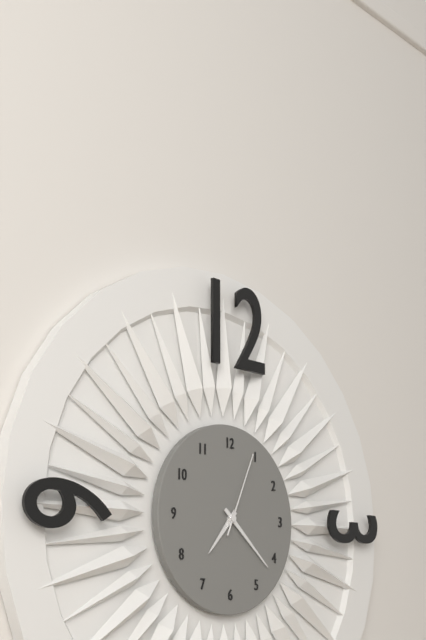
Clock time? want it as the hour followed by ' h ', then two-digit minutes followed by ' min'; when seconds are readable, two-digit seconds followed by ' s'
7 h 22 min 04 s
